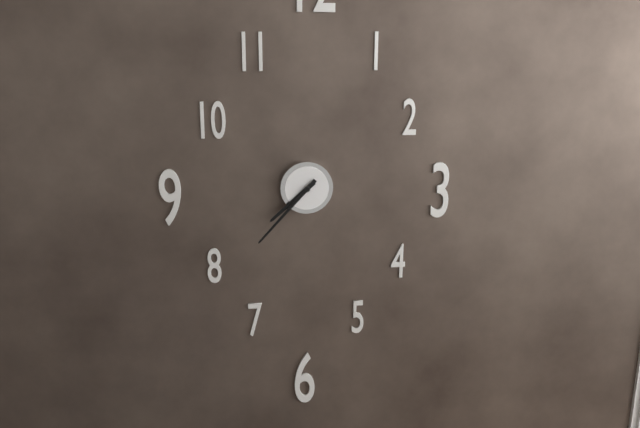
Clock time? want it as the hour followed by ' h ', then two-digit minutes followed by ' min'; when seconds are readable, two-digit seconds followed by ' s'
7 h 37 min
